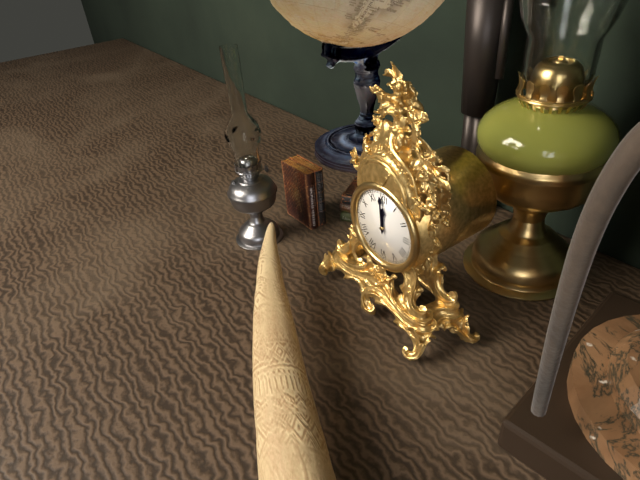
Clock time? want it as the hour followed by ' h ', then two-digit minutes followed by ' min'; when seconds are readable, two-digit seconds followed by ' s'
11 h 59 min
